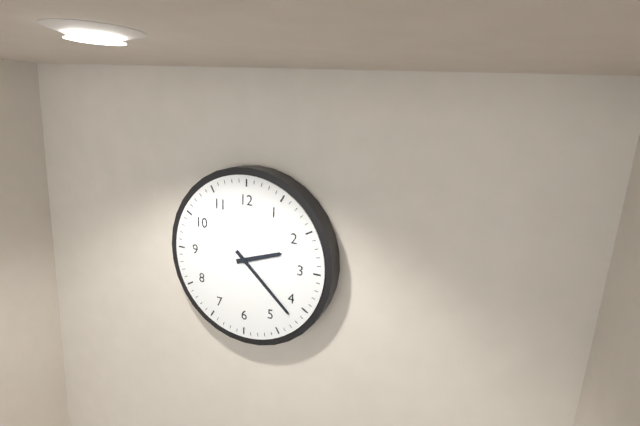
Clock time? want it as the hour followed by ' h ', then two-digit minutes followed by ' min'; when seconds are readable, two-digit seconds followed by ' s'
2 h 22 min
